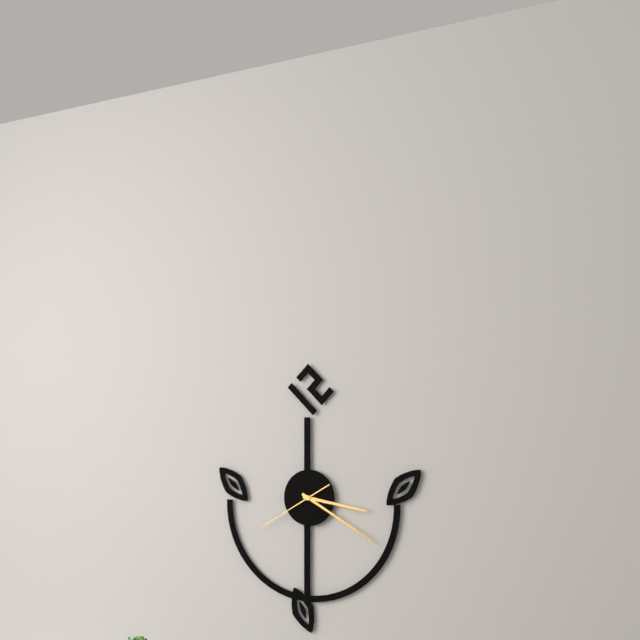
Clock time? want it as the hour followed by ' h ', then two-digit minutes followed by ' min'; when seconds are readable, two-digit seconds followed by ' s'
3 h 20 min 40 s
